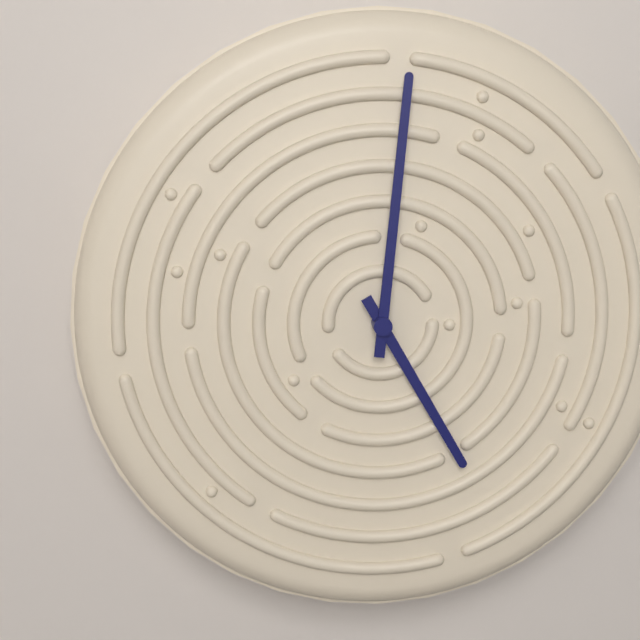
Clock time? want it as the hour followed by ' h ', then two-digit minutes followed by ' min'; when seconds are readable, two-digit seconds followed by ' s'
5 h 01 min
